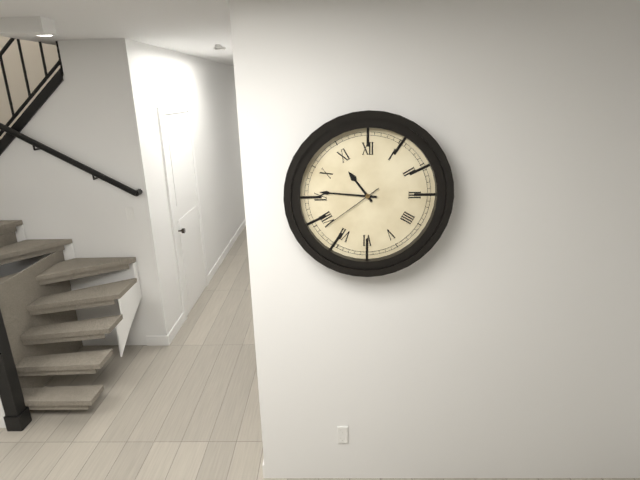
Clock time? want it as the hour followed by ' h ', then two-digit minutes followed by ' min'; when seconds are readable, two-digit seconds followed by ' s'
10 h 46 min 39 s
